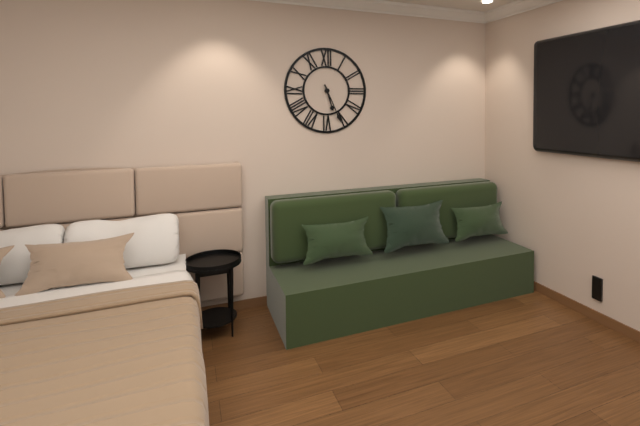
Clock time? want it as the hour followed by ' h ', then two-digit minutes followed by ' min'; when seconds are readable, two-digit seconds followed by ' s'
5 h 26 min
